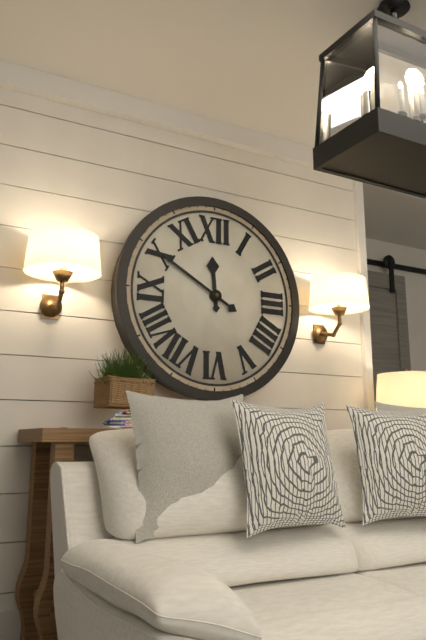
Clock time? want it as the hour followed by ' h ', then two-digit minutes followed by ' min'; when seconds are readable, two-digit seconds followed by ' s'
11 h 50 min
